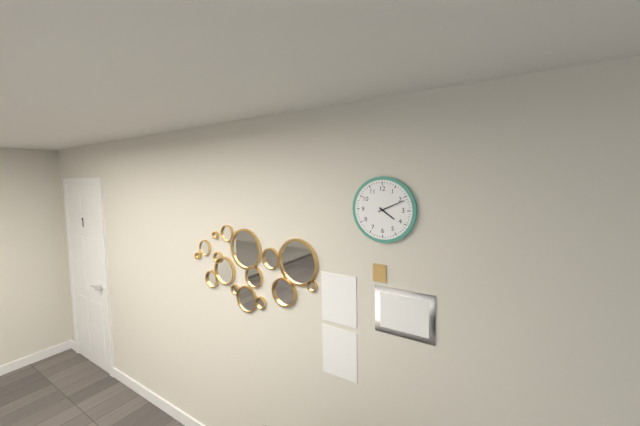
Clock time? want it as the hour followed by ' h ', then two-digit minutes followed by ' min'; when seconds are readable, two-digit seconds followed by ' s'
4 h 11 min
